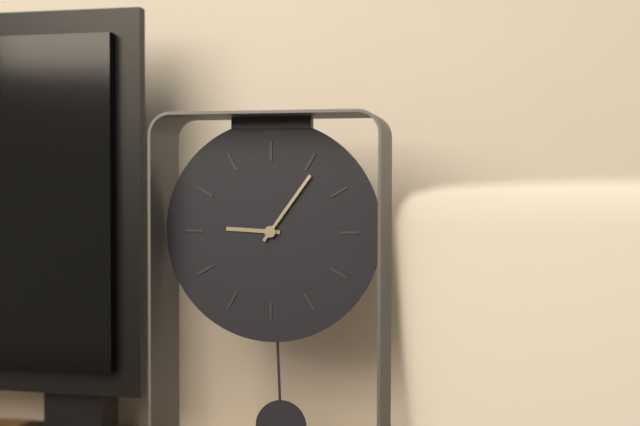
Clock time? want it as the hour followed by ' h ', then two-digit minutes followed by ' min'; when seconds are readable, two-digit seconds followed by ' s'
9 h 06 min
